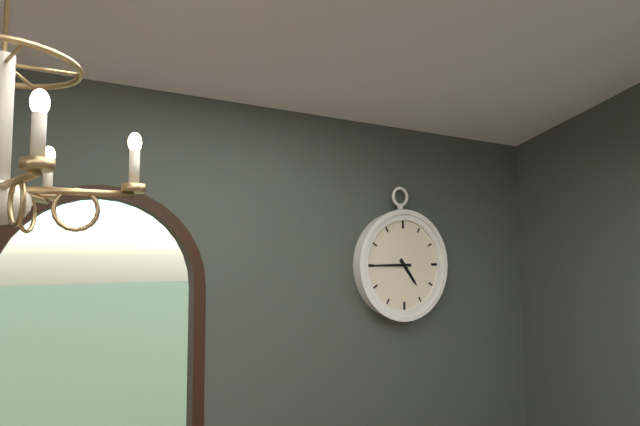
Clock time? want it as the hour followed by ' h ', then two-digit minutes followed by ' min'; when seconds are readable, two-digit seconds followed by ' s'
4 h 45 min
